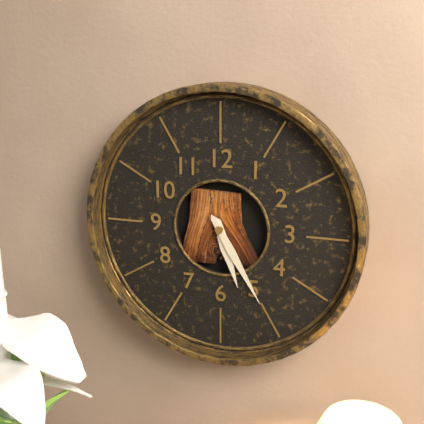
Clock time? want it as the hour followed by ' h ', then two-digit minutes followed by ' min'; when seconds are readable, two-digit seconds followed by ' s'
5 h 25 min
